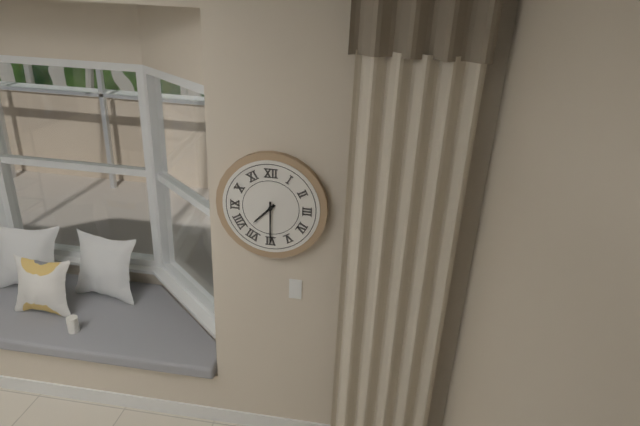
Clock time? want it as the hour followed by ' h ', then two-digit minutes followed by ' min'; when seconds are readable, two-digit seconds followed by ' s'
7 h 30 min
